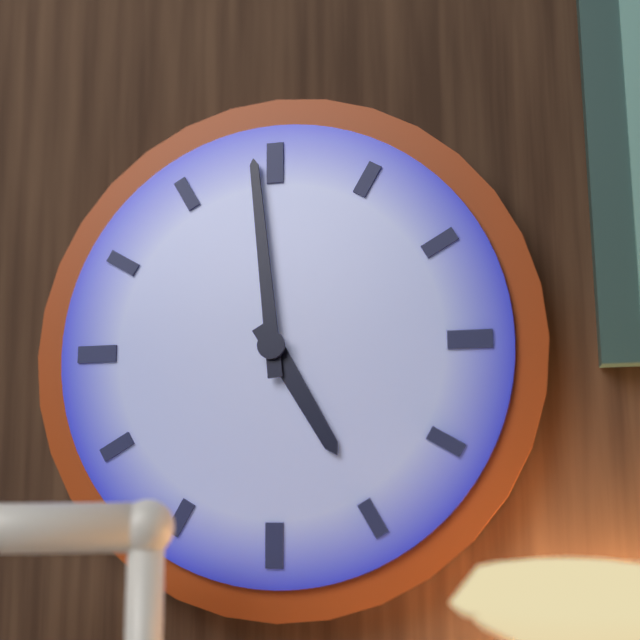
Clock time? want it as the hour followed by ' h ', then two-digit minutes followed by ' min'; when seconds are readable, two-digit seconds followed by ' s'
4 h 59 min
